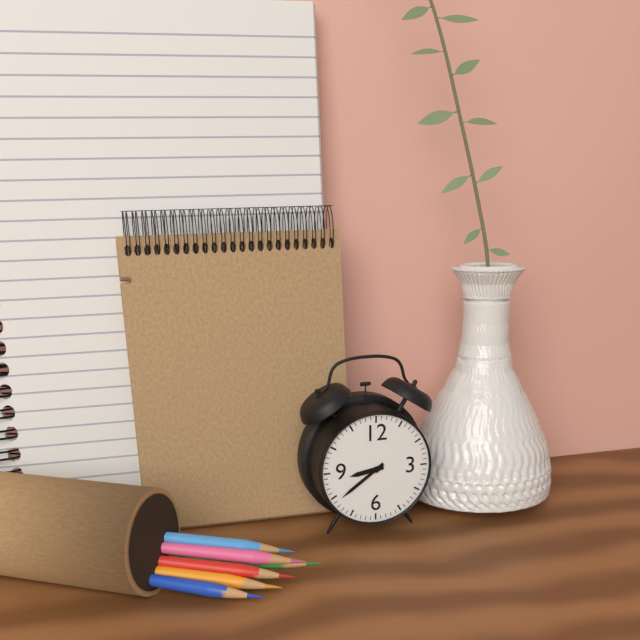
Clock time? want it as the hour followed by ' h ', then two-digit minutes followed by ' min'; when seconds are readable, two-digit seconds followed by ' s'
8 h 39 min
